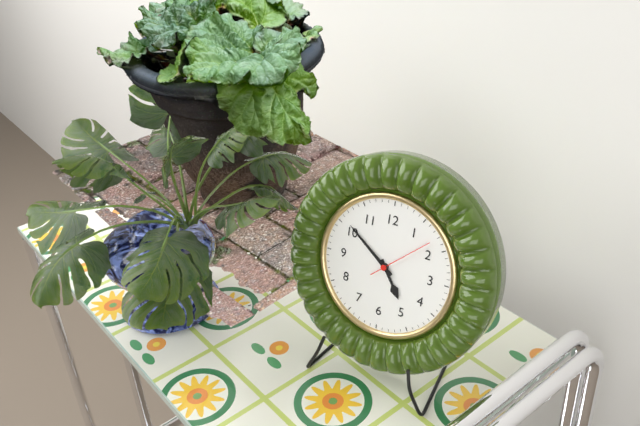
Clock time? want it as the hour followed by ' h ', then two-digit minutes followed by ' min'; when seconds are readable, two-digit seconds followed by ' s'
4 h 51 min 08 s
